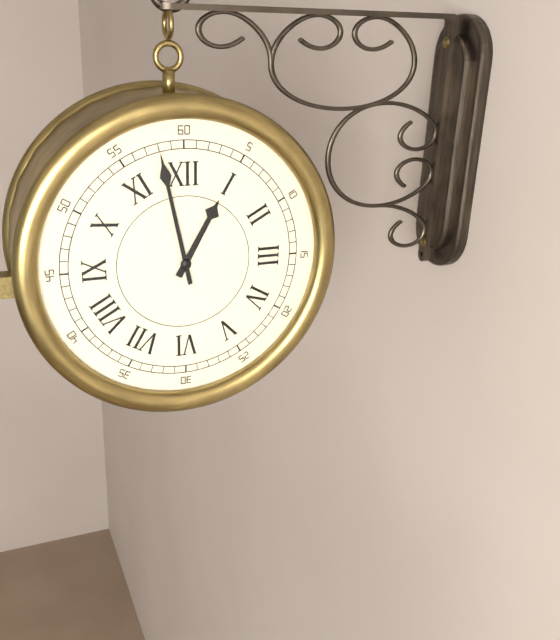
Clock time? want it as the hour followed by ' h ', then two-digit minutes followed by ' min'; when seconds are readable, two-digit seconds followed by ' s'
12 h 58 min
